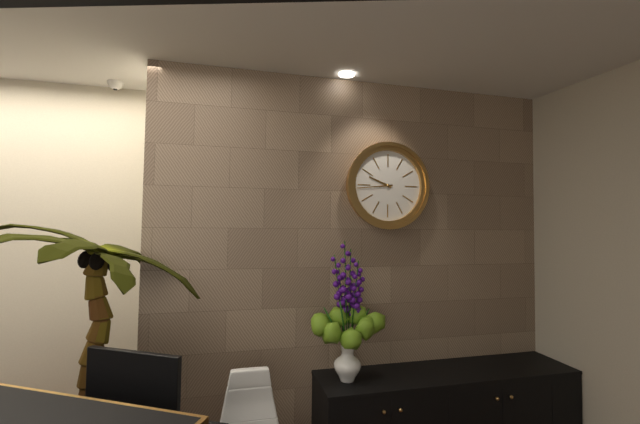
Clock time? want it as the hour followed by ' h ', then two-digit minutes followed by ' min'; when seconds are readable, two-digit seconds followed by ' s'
9 h 44 min
